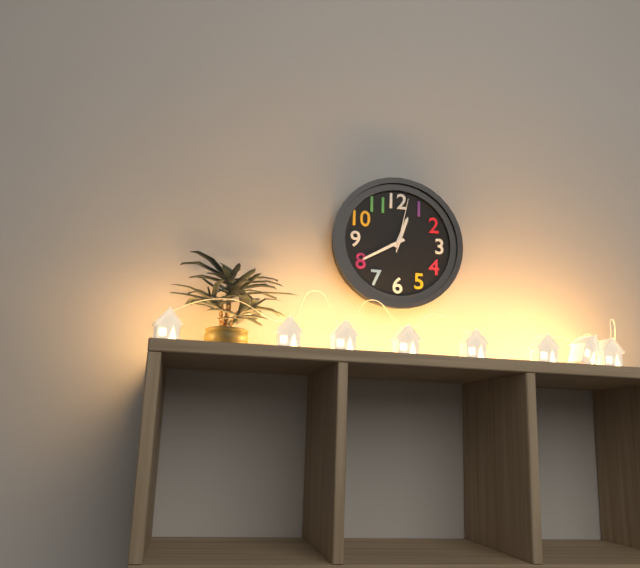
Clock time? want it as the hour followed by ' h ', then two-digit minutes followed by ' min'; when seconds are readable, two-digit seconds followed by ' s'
12 h 40 min 02 s
